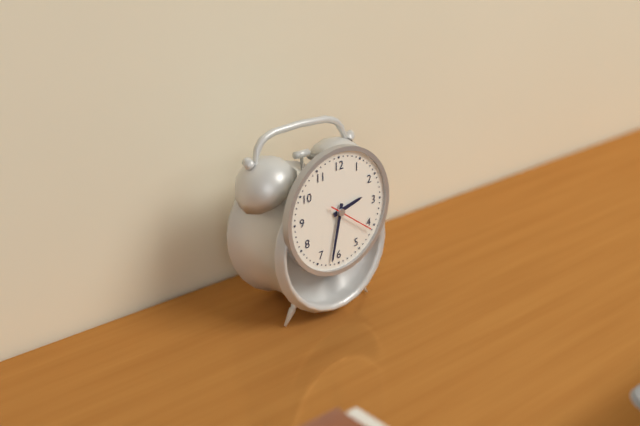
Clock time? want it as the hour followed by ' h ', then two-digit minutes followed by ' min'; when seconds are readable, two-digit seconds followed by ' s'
2 h 32 min
